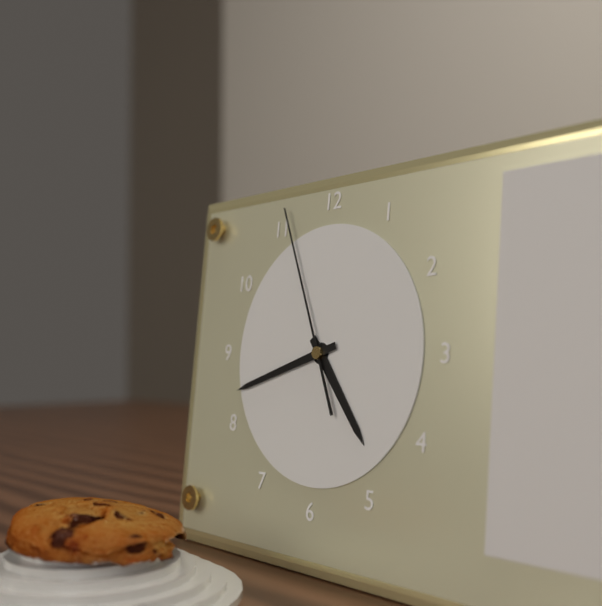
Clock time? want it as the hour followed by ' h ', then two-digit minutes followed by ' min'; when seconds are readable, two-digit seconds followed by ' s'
4 h 42 min 56 s
